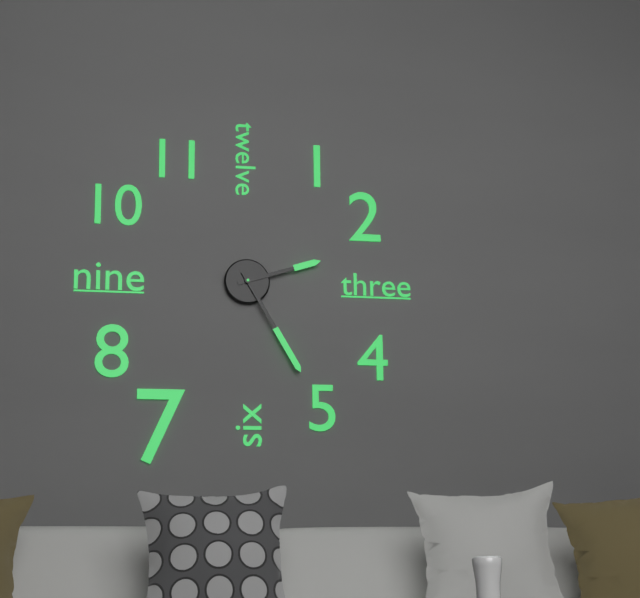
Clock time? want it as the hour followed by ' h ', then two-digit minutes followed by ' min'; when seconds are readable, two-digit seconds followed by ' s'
2 h 25 min
